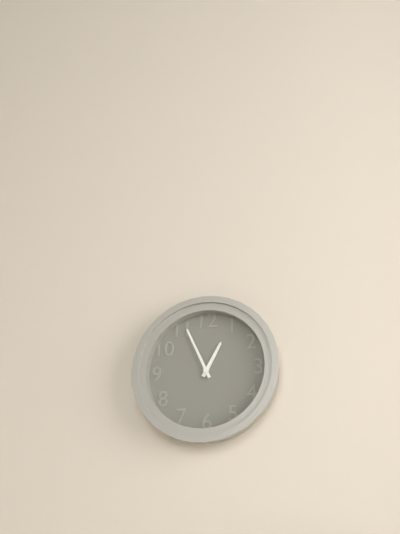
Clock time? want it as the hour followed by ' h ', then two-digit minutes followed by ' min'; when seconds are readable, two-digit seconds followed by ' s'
12 h 56 min
